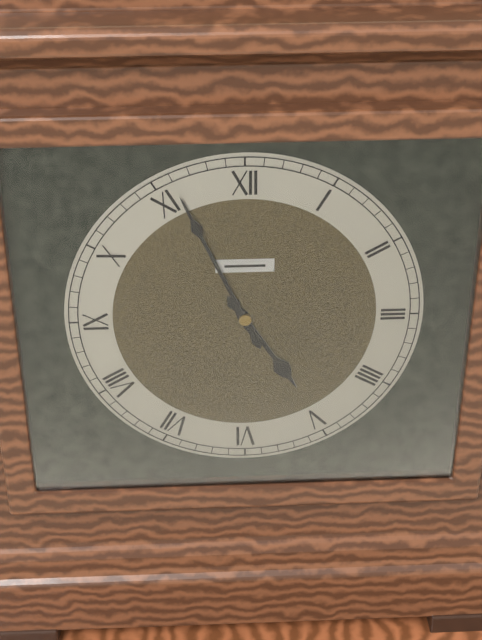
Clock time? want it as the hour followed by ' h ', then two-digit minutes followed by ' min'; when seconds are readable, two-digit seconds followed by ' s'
4 h 56 min
